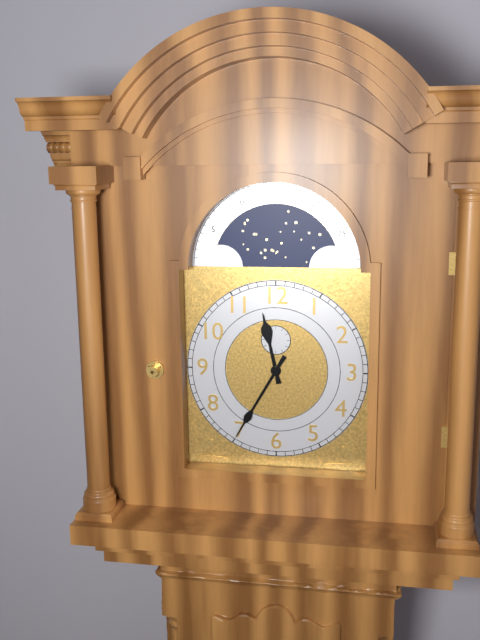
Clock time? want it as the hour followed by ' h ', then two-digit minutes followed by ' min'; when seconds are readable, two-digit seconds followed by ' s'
11 h 35 min
